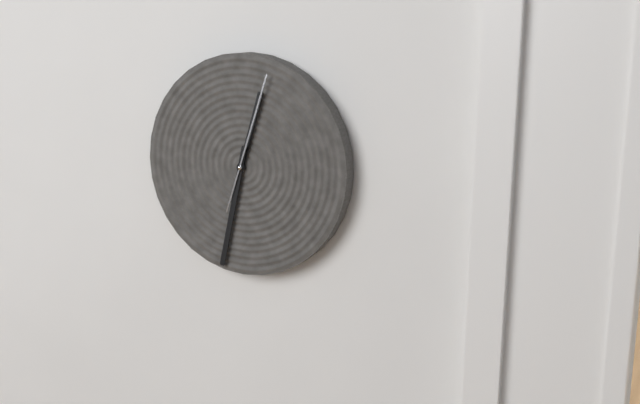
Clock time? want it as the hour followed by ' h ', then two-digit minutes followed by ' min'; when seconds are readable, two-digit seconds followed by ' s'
12 h 32 min 03 s
